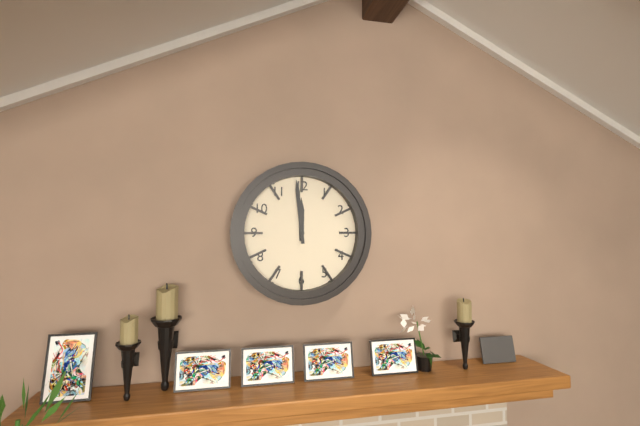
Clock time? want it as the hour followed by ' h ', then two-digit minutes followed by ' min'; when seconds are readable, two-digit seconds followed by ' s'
11 h 59 min
